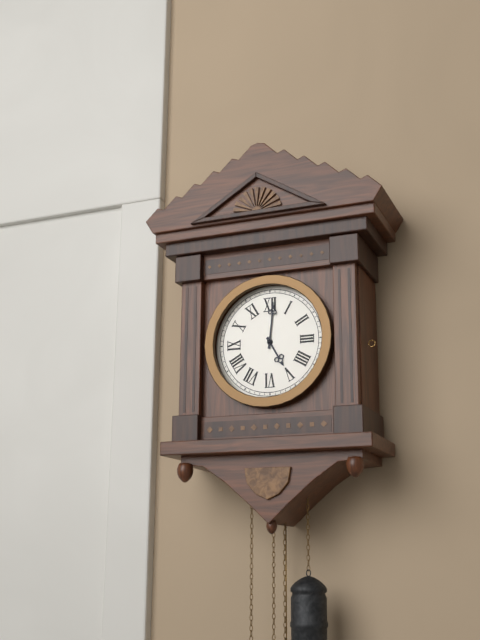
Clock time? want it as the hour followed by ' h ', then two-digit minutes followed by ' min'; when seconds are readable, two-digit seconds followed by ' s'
5 h 01 min
